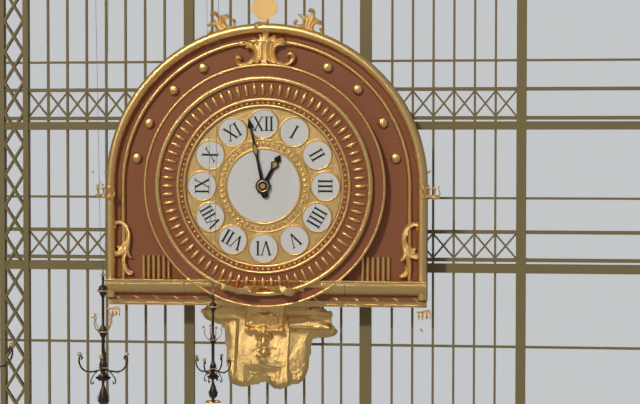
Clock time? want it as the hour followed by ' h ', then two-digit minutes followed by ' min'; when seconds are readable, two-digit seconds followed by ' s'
12 h 58 min
